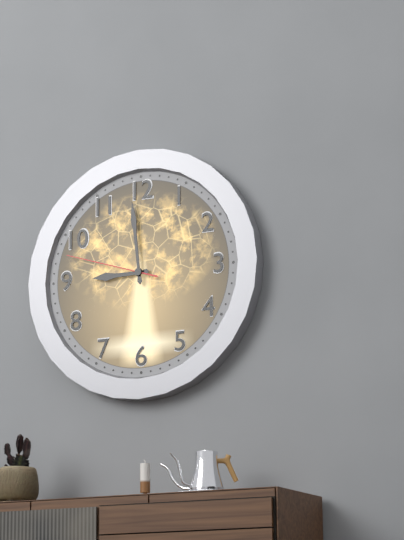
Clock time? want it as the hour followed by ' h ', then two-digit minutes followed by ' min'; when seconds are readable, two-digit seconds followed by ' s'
8 h 59 min 48 s
